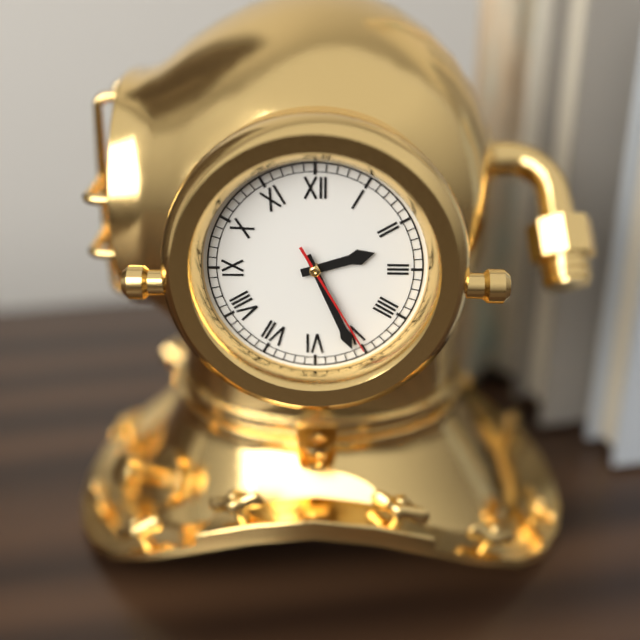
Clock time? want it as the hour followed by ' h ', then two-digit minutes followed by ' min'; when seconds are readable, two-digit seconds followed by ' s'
2 h 26 min 25 s
